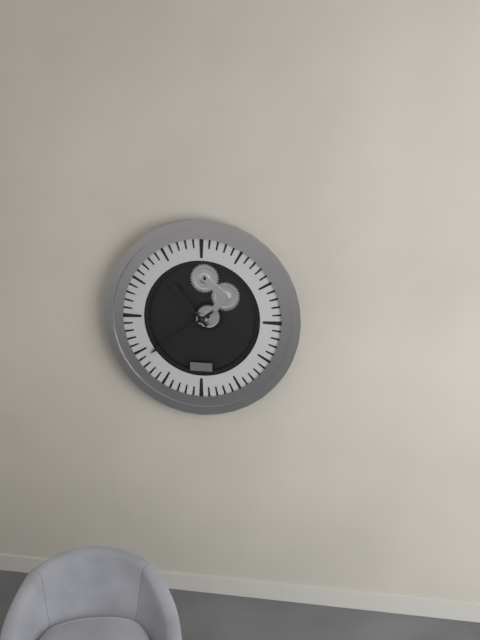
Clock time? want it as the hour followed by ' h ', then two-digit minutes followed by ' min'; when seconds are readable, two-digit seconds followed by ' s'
10 h 39 min
